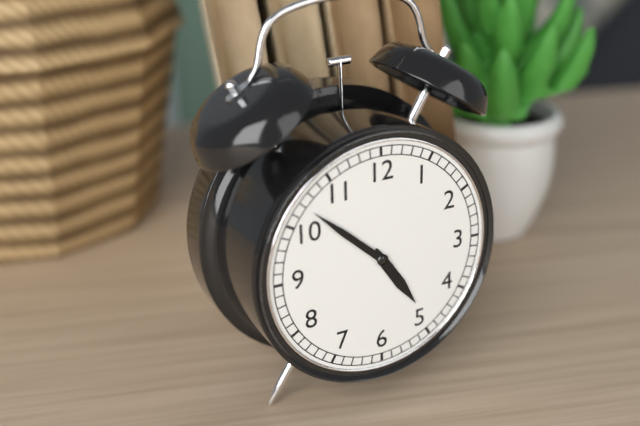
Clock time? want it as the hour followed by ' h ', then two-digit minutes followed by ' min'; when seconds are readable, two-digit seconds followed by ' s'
4 h 52 min
